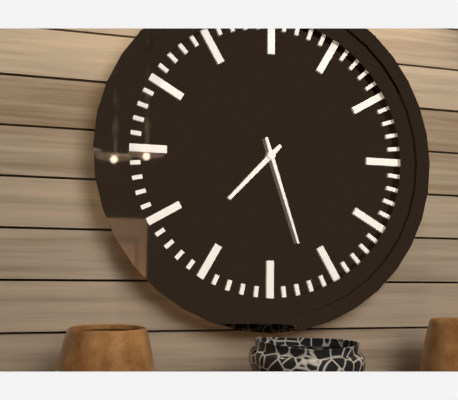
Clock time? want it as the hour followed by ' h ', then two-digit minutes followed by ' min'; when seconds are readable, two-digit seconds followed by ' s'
7 h 27 min
